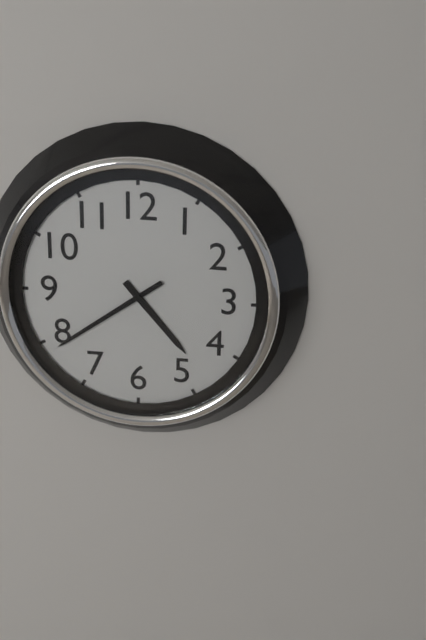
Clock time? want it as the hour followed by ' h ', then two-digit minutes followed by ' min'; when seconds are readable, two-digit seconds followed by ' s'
4 h 39 min
